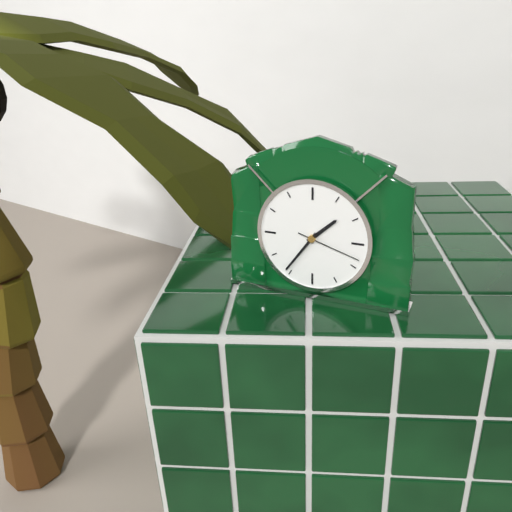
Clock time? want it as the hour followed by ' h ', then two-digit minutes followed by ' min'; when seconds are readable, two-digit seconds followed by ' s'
1 h 36 min 18 s
